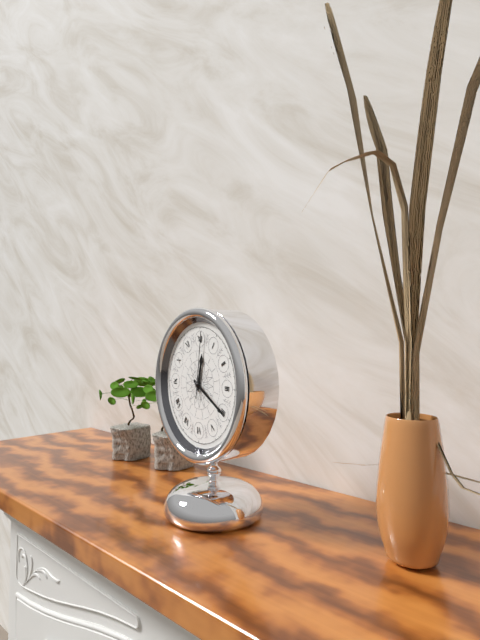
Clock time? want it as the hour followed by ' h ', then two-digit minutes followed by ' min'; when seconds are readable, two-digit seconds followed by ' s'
12 h 20 min 01 s
